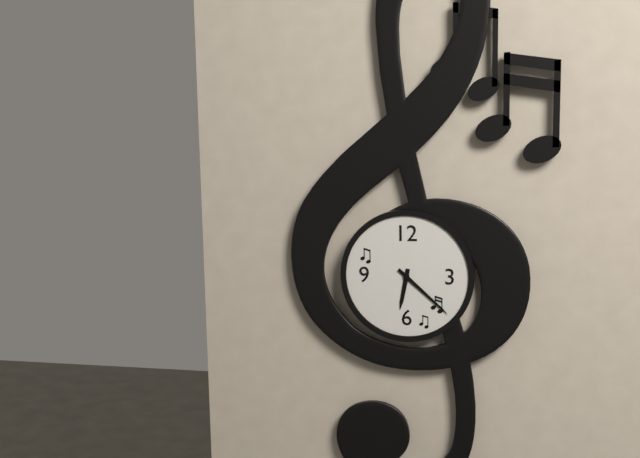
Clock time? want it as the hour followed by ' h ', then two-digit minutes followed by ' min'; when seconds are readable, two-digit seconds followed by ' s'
6 h 22 min
